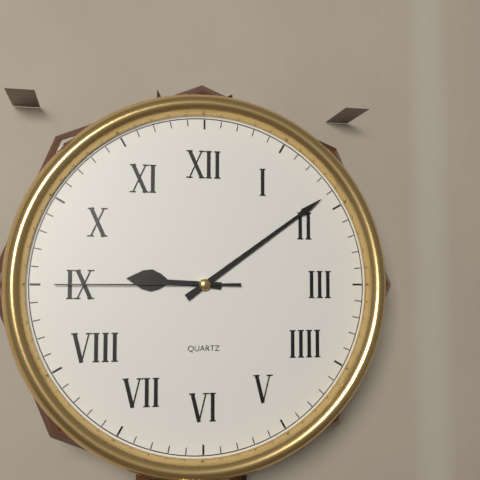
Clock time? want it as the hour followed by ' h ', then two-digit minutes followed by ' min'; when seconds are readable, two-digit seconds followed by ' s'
9 h 09 min 45 s
